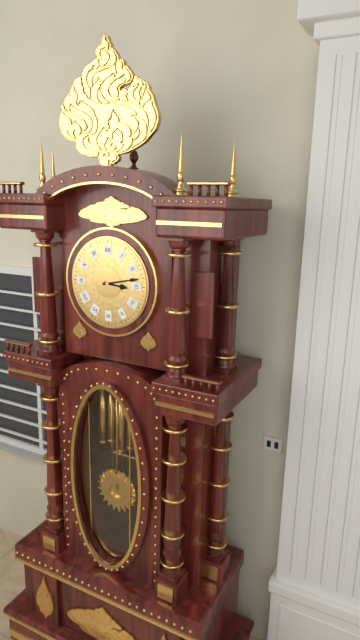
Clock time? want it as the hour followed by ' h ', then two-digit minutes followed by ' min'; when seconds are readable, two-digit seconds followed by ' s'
3 h 13 min
